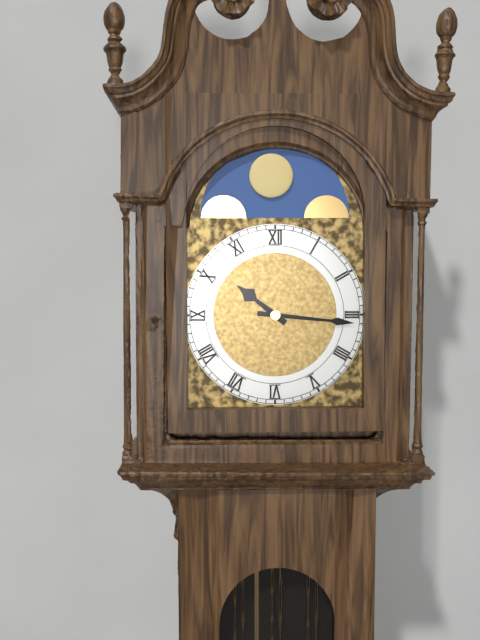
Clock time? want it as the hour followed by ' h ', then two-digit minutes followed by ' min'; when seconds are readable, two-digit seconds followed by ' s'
10 h 16 min
